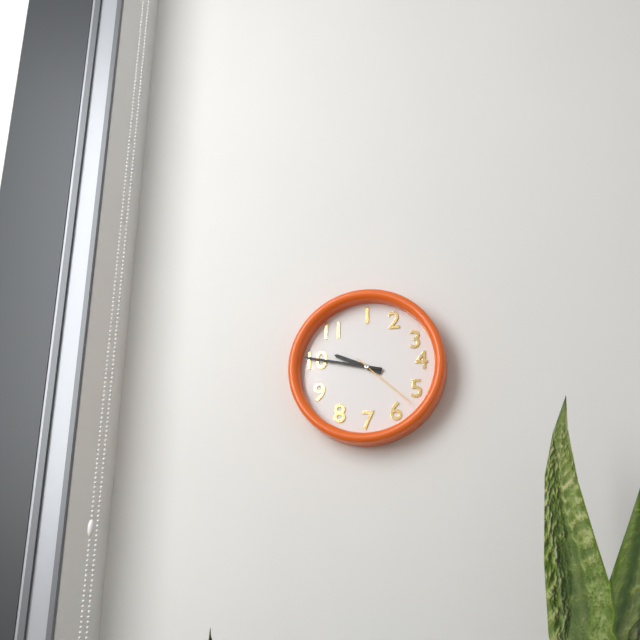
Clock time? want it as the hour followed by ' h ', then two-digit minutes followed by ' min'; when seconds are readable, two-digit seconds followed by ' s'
9 h 47 min 22 s
